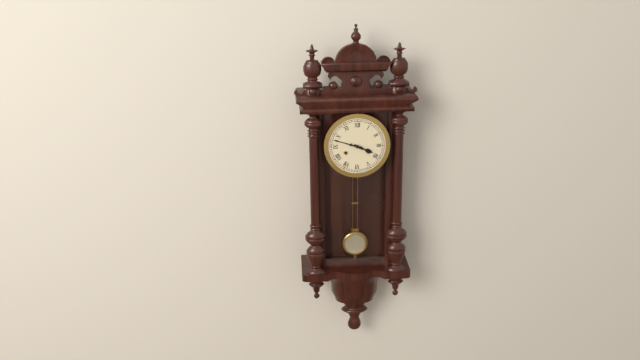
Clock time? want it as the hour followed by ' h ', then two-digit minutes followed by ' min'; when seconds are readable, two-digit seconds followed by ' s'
3 h 48 min
